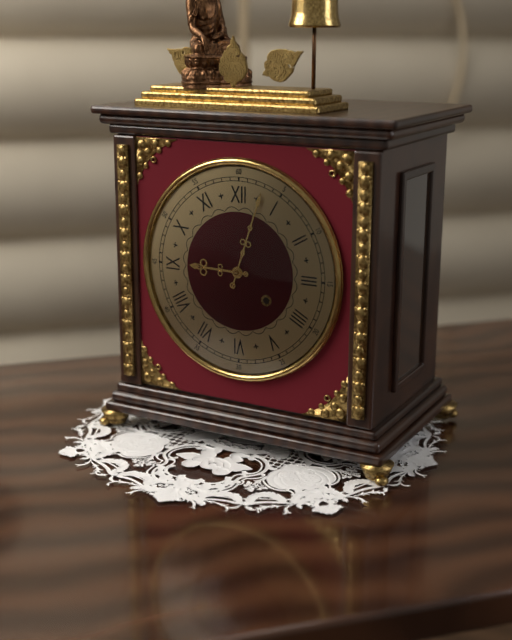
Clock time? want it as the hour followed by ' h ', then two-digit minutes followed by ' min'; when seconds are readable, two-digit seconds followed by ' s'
9 h 03 min
